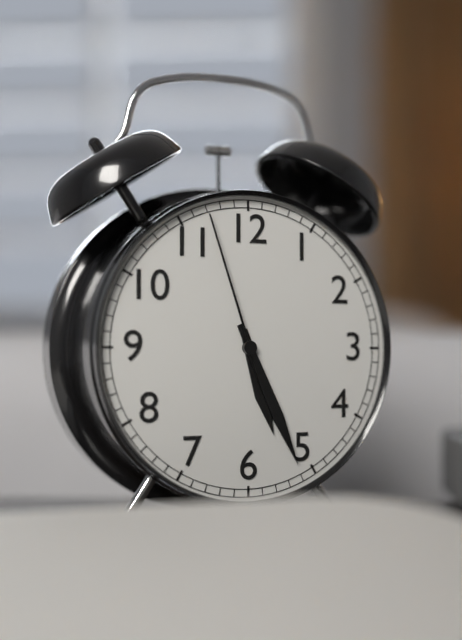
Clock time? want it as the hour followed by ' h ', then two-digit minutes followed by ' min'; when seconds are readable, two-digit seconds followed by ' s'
5 h 26 min 57 s
